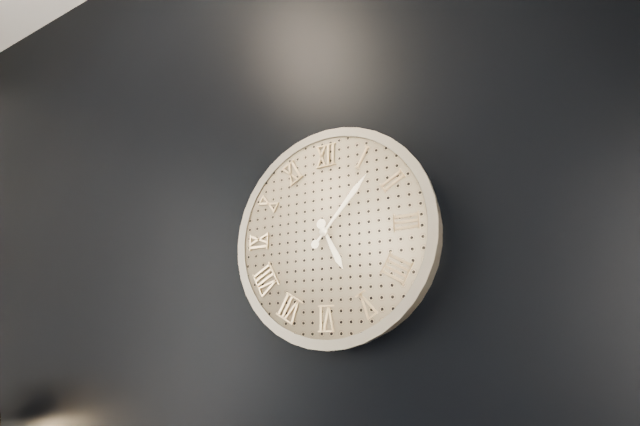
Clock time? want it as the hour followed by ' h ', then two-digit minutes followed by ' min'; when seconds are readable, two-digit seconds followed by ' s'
5 h 07 min
